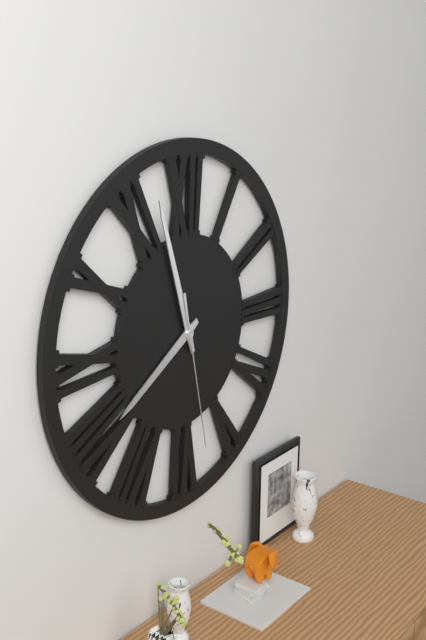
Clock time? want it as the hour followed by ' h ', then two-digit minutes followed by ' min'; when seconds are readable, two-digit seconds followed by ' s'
7 h 57 min 28 s
